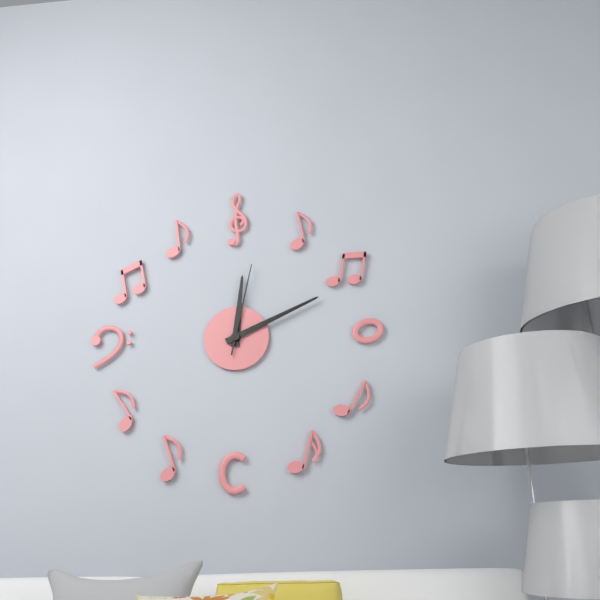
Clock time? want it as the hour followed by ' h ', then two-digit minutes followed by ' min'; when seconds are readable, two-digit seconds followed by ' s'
12 h 11 min 02 s
